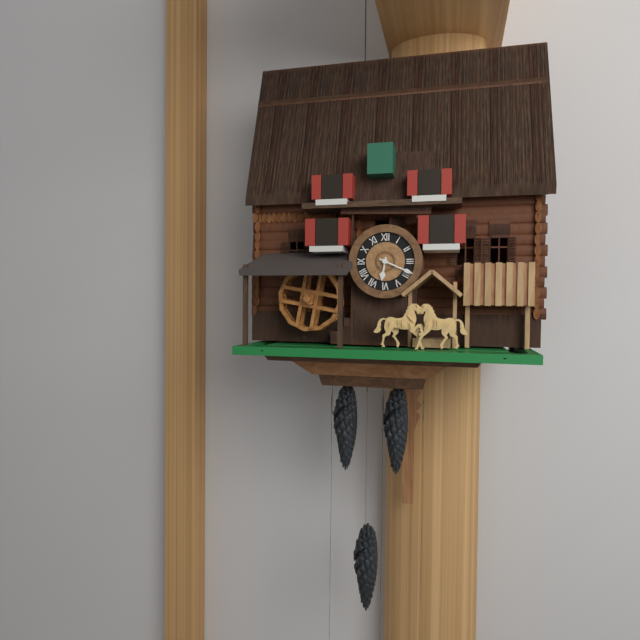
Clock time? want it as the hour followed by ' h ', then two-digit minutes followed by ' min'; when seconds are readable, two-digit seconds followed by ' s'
6 h 19 min
